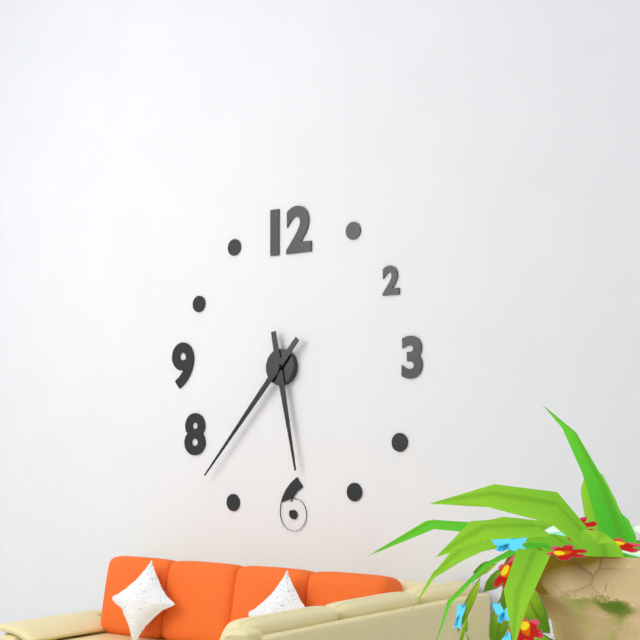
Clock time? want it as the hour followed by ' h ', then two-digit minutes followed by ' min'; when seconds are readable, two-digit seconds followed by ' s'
5 h 37 min
